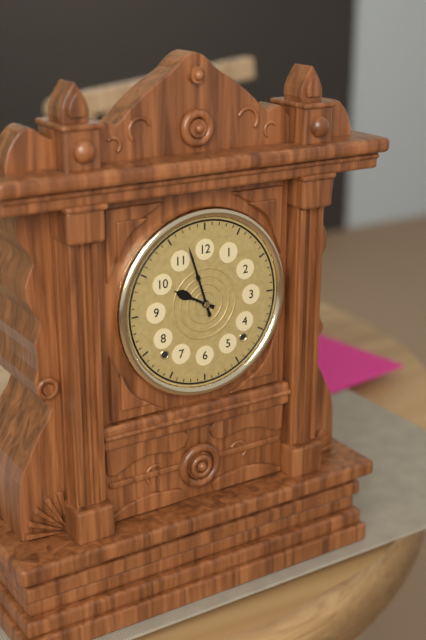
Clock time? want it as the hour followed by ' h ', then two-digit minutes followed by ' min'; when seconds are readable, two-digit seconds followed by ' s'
9 h 57 min
